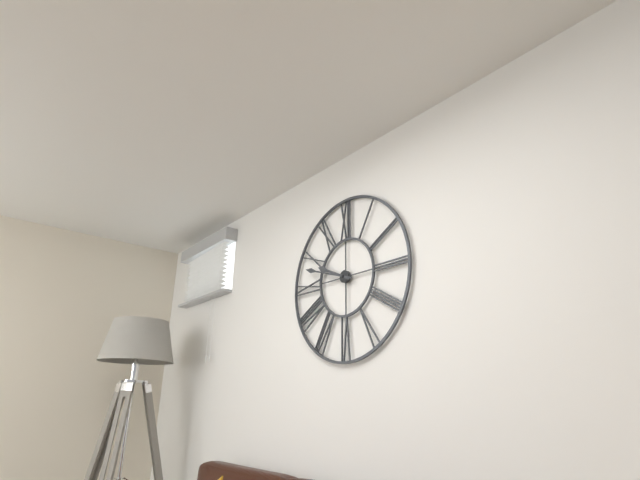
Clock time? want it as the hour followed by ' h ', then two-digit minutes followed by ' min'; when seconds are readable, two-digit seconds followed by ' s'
9 h 48 min
